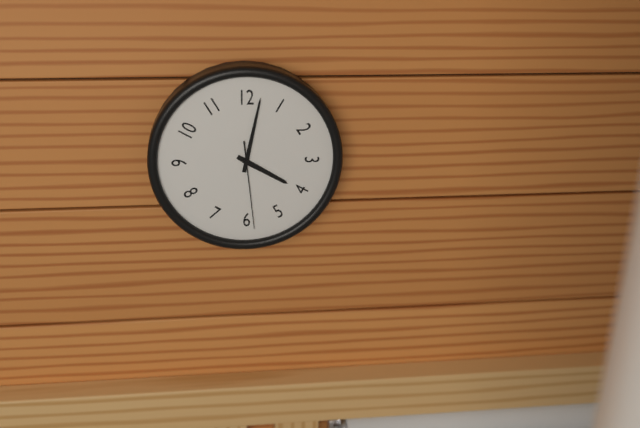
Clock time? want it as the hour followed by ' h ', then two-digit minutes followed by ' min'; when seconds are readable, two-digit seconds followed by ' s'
4 h 02 min 29 s
